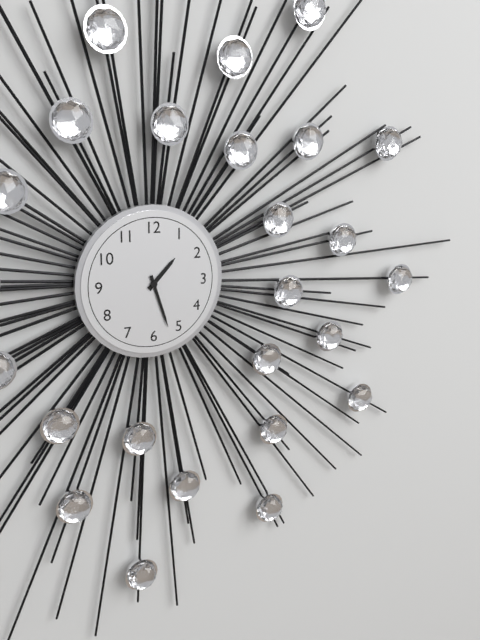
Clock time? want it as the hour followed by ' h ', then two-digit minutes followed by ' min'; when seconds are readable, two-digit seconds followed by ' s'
1 h 27 min
